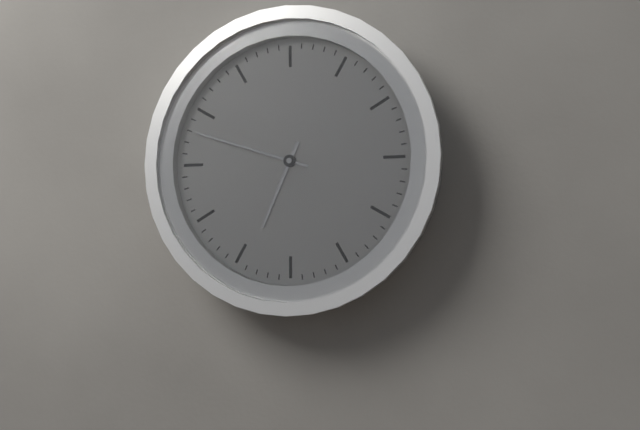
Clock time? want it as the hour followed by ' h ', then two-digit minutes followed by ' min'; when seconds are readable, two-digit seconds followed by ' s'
6 h 48 min
